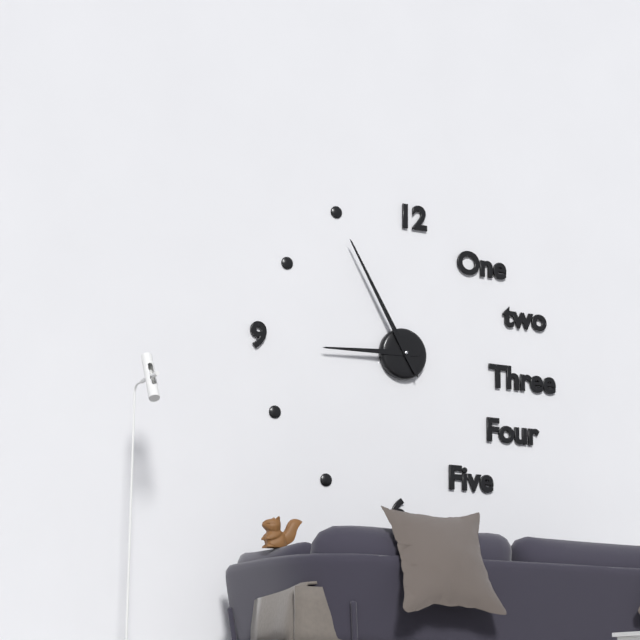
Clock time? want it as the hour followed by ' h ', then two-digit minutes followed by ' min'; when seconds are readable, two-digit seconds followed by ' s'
8 h 55 min
